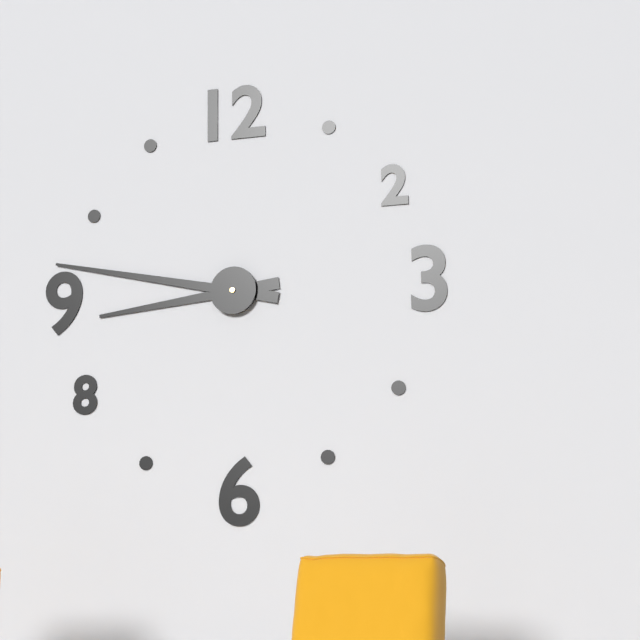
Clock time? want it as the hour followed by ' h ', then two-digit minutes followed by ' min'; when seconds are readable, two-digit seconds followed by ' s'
8 h 47 min
